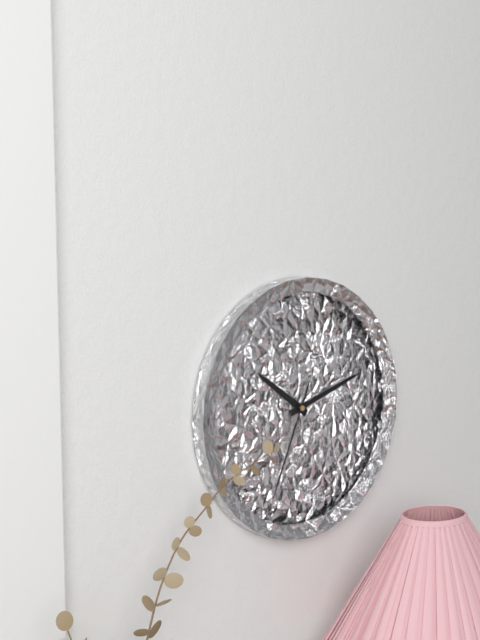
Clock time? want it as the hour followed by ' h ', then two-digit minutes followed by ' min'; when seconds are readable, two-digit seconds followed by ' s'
10 h 12 min 34 s
